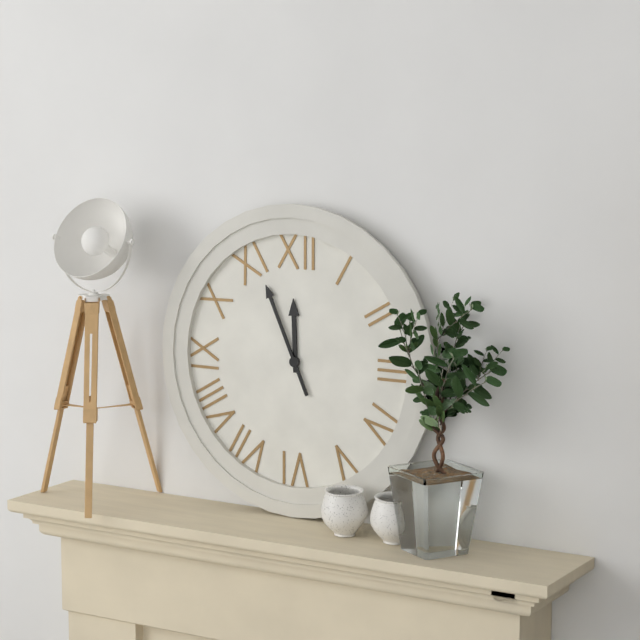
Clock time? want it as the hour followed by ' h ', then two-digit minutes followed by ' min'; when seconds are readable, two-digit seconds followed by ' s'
11 h 56 min
